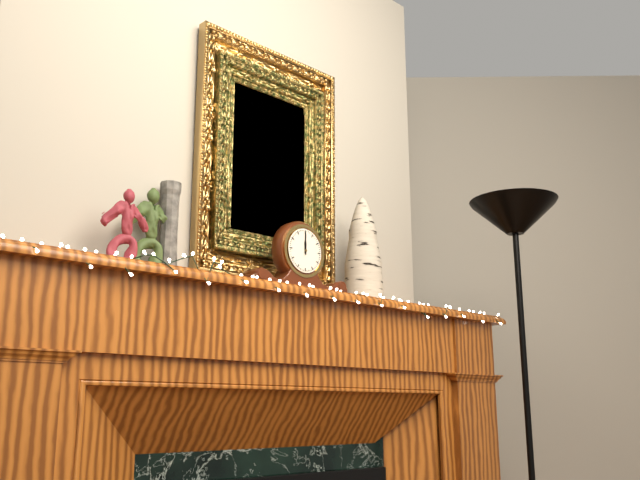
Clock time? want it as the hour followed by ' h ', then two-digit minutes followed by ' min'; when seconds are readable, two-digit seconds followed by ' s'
12 h 00 min
